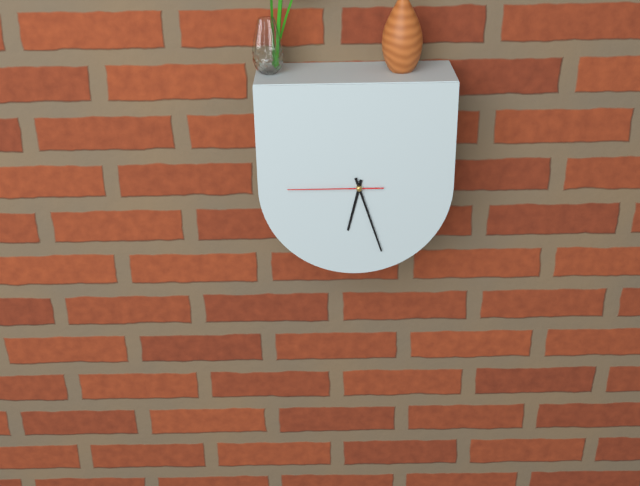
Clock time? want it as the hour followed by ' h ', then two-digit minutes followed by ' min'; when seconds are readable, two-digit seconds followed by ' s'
6 h 27 min 45 s
